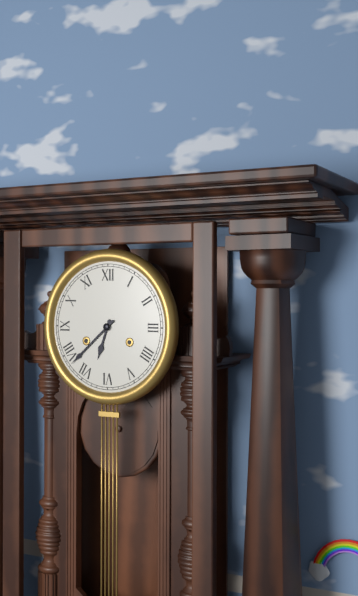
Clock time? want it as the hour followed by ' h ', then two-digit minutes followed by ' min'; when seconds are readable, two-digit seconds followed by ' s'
6 h 38 min
